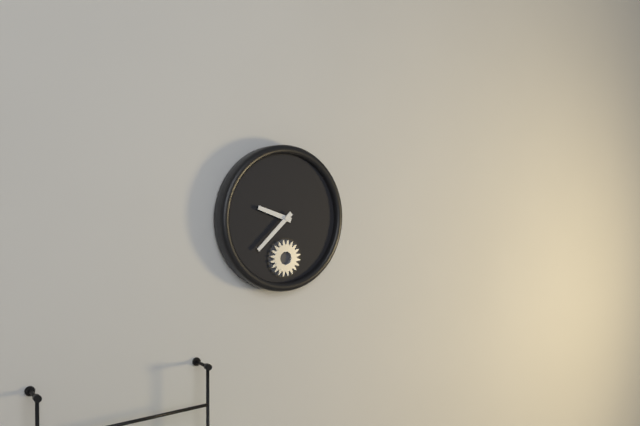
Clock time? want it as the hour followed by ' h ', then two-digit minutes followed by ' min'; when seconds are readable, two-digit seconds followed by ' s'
9 h 38 min
